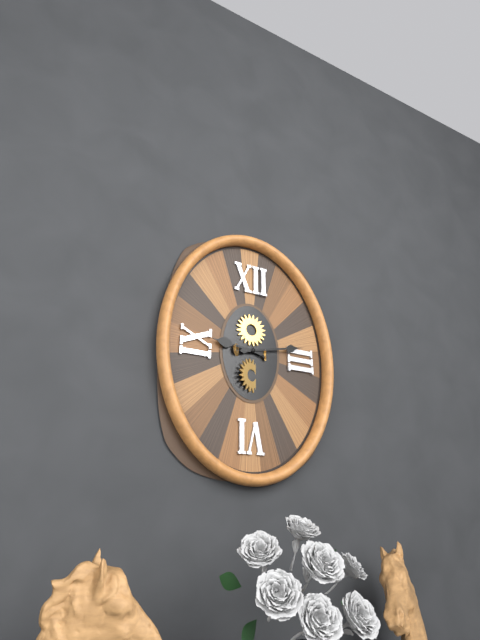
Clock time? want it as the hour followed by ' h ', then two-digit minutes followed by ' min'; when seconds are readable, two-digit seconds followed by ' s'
9 h 13 min
